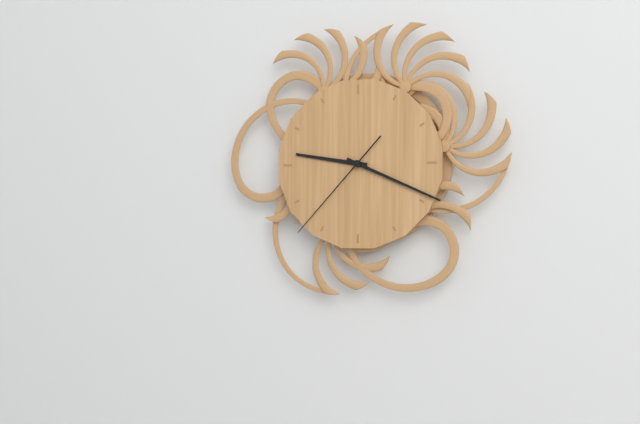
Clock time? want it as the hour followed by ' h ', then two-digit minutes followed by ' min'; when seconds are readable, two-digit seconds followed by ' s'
9 h 19 min 37 s
